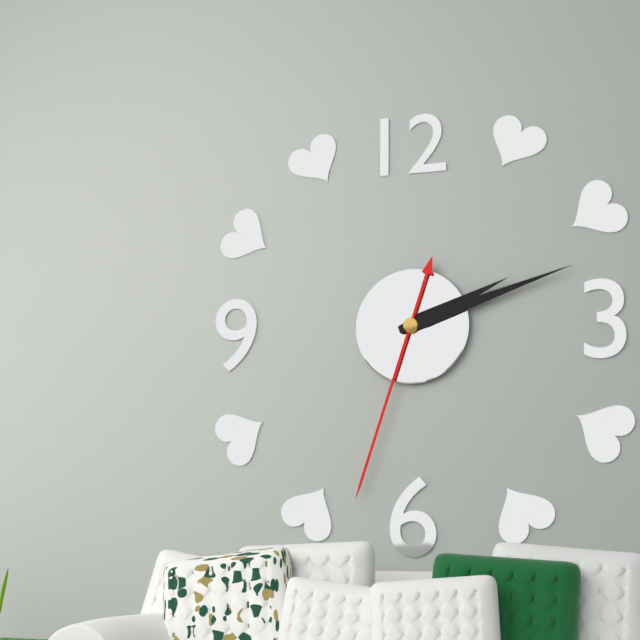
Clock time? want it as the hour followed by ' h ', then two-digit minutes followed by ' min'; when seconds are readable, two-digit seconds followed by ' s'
2 h 12 min 33 s
